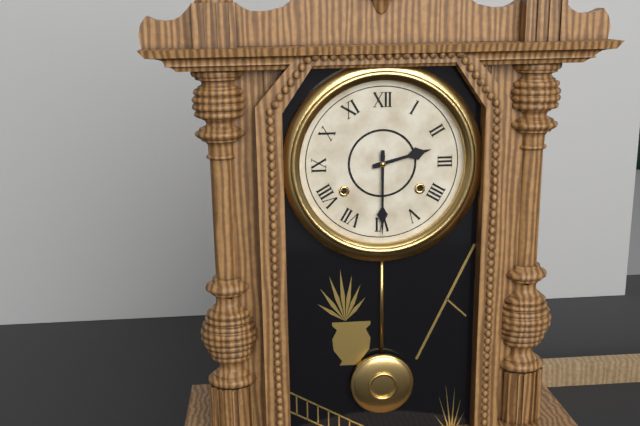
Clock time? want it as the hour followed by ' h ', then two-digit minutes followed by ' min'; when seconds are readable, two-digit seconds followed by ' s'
2 h 30 min
